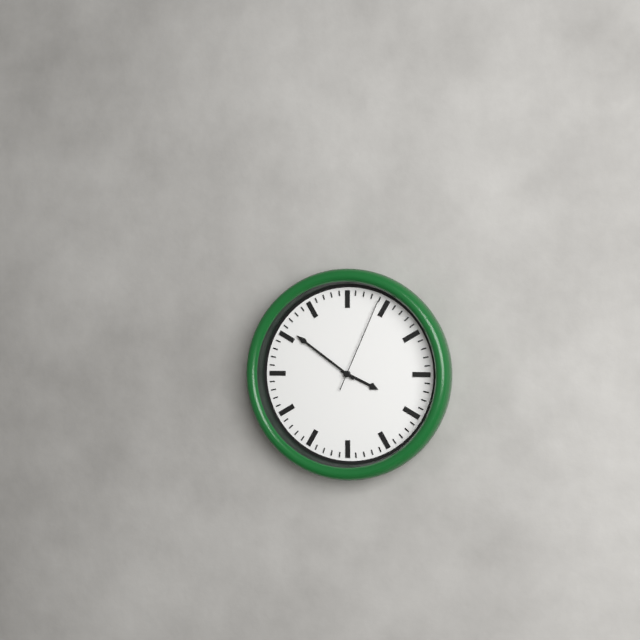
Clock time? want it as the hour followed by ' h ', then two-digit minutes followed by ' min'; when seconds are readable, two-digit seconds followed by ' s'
3 h 51 min 04 s
